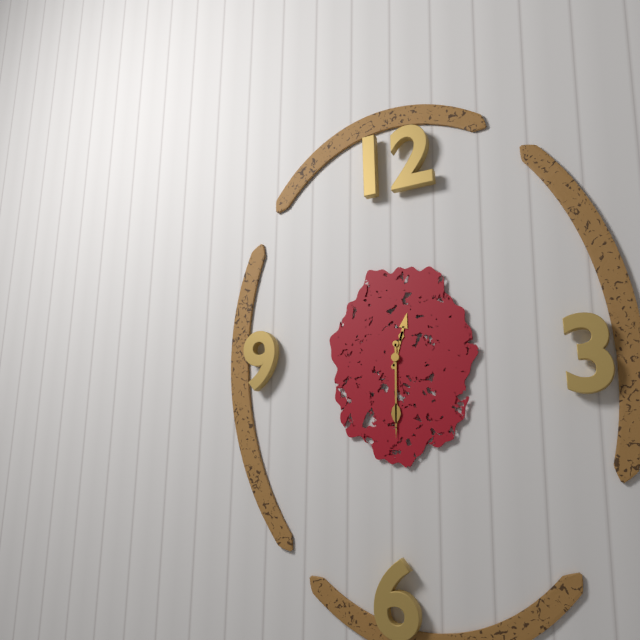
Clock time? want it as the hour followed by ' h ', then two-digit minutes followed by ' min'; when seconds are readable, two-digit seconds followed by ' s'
12 h 30 min
